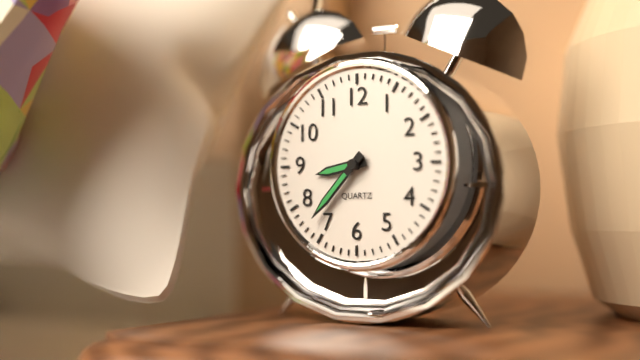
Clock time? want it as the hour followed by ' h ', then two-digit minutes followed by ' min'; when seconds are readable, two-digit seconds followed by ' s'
8 h 37 min
